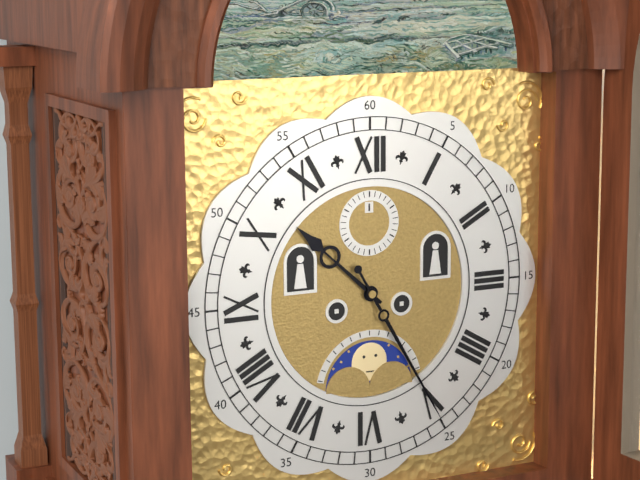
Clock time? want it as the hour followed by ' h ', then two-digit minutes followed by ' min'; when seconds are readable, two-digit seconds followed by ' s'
10 h 25 min
